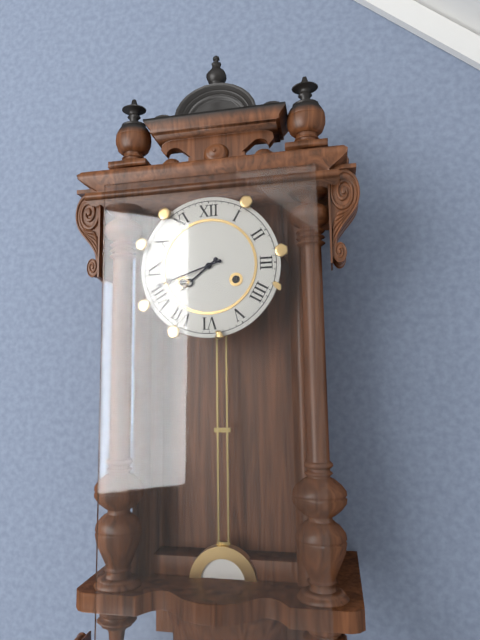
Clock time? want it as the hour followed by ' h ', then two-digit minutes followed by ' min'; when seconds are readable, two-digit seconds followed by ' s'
7 h 42 min
